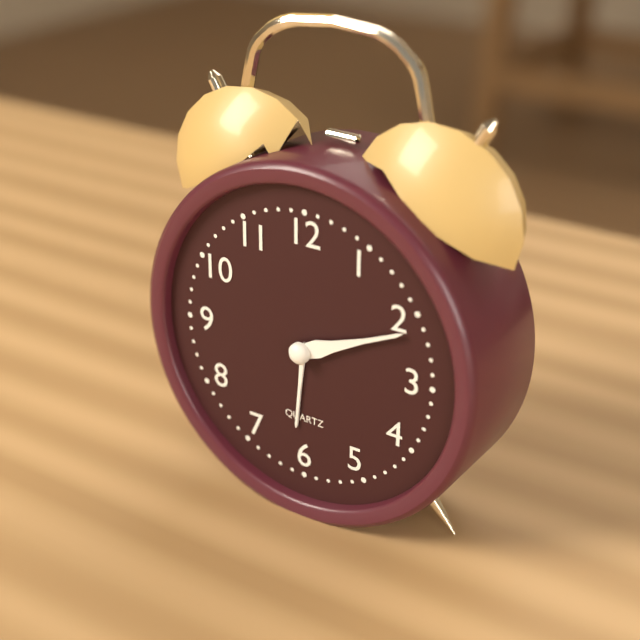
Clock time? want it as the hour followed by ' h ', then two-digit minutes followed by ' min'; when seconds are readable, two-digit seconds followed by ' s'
6 h 11 min
